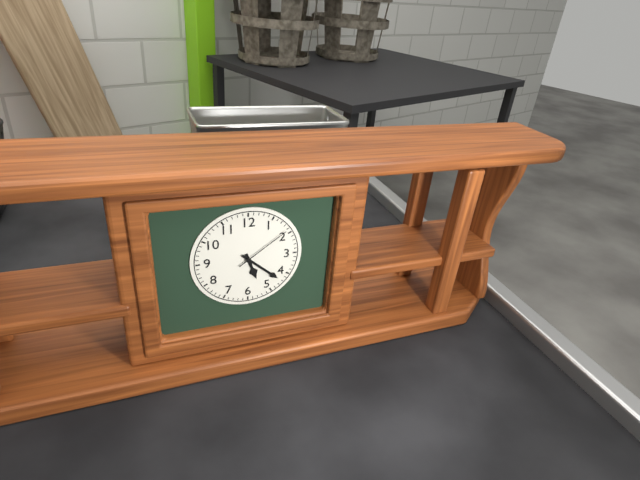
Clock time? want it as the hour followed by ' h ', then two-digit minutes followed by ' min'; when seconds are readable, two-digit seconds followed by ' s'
5 h 22 min 09 s
